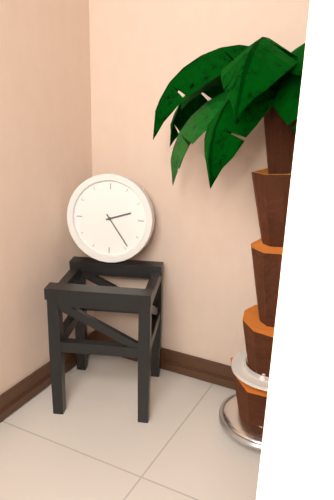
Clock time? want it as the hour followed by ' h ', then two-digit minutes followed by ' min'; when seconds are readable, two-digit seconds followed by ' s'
2 h 24 min
